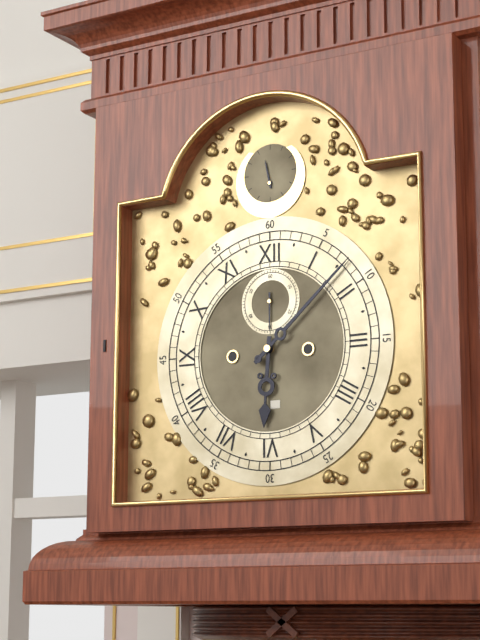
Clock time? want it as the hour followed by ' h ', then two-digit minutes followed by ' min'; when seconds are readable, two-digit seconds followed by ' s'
6 h 08 min
